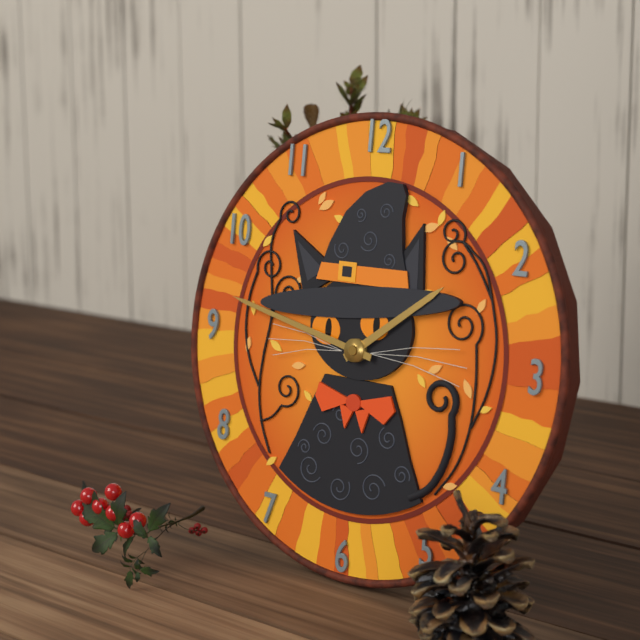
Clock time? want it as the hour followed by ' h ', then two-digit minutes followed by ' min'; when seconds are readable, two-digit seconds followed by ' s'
1 h 47 min
